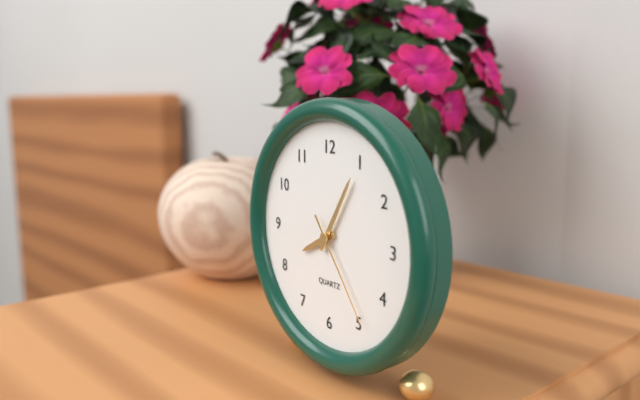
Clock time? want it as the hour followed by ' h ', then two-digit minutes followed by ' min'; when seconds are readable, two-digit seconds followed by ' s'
8 h 05 min 24 s
